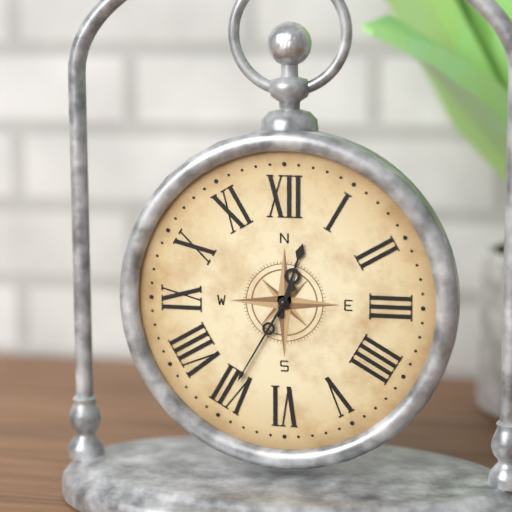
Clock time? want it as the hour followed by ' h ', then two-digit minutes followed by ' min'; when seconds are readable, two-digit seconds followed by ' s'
12 h 35 min
